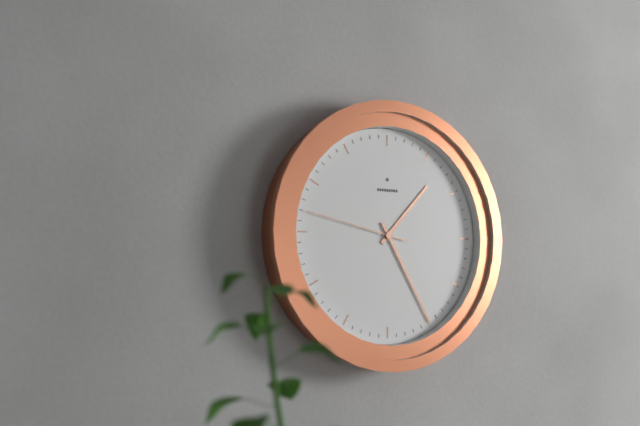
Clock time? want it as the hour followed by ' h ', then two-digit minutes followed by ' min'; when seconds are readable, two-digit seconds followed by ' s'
1 h 25 min 47 s
